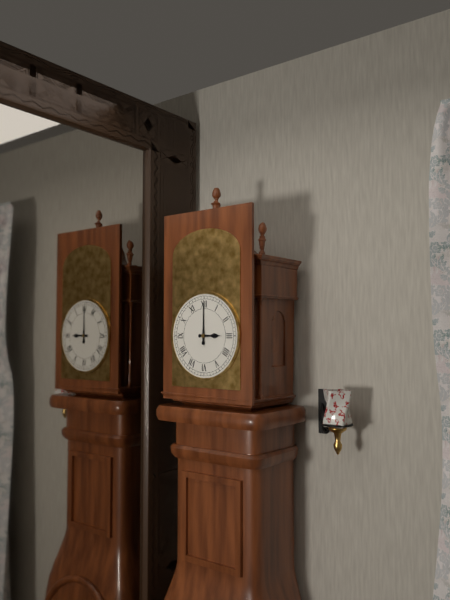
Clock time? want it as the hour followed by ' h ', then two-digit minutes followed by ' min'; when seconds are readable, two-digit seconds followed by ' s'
3 h 00 min
